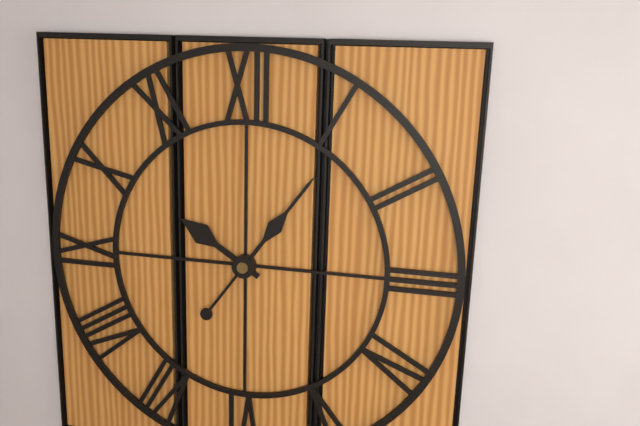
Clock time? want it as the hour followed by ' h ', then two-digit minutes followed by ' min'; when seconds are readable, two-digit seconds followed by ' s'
10 h 06 min
